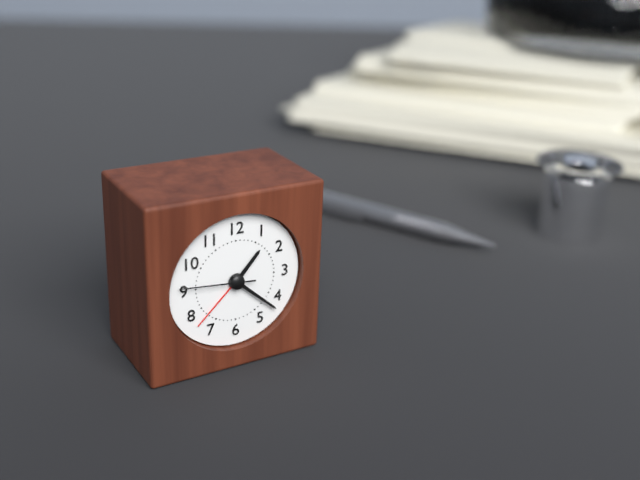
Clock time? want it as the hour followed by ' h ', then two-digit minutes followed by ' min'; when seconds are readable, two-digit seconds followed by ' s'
1 h 22 min 46 s
